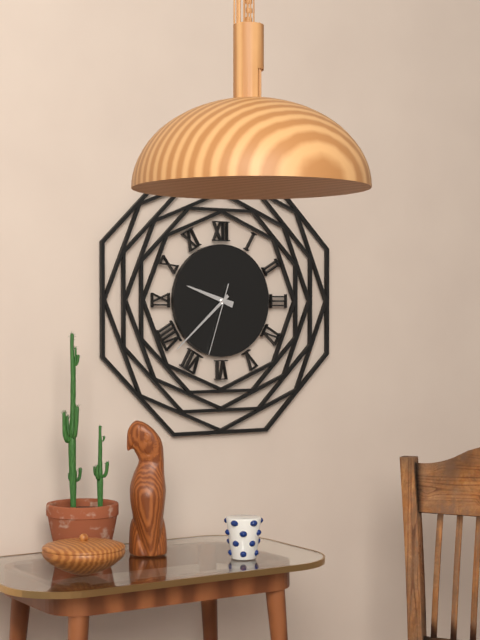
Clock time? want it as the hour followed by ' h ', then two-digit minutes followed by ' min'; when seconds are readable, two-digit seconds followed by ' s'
9 h 38 min 33 s
